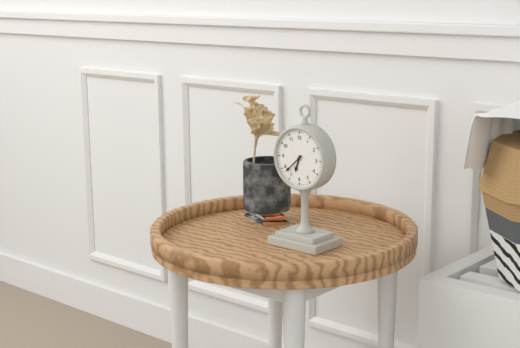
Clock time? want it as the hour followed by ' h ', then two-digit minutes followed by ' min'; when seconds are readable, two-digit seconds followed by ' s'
6 h 38 min
